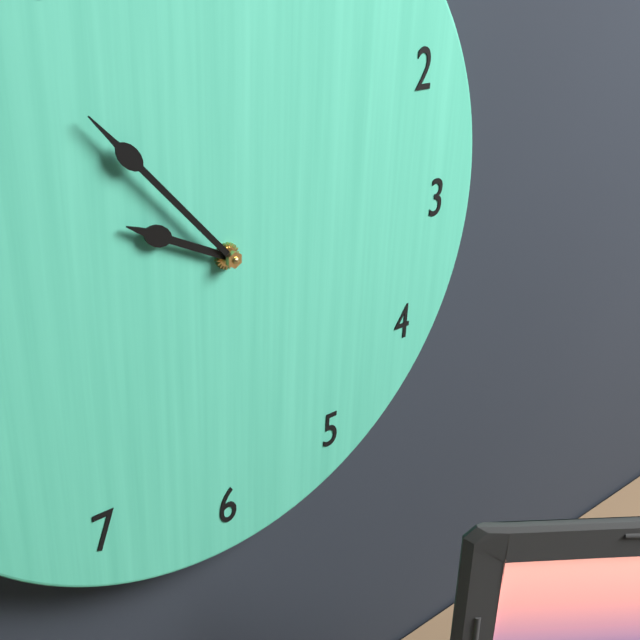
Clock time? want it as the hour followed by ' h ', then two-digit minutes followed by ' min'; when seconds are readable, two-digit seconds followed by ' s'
9 h 53 min
